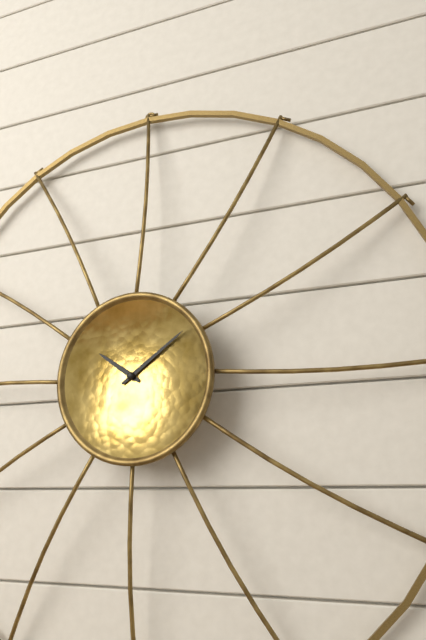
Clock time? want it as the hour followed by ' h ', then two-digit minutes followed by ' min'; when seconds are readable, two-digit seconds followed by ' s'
10 h 09 min
